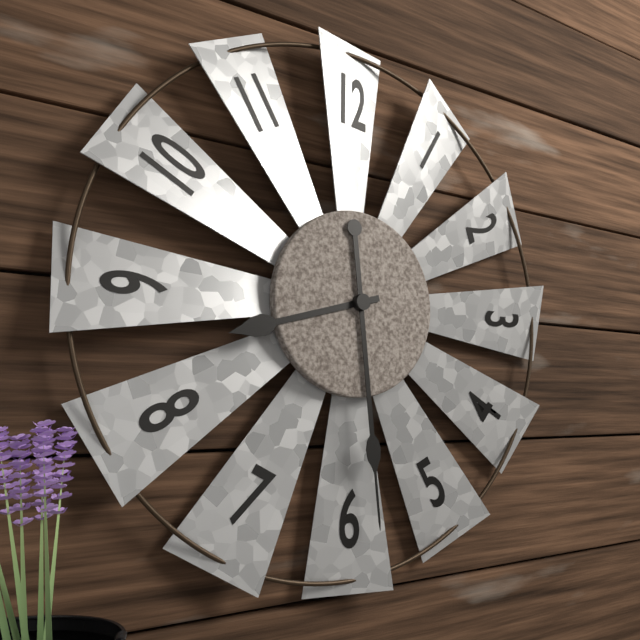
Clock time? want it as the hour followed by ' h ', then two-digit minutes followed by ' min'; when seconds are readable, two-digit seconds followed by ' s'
8 h 29 min
